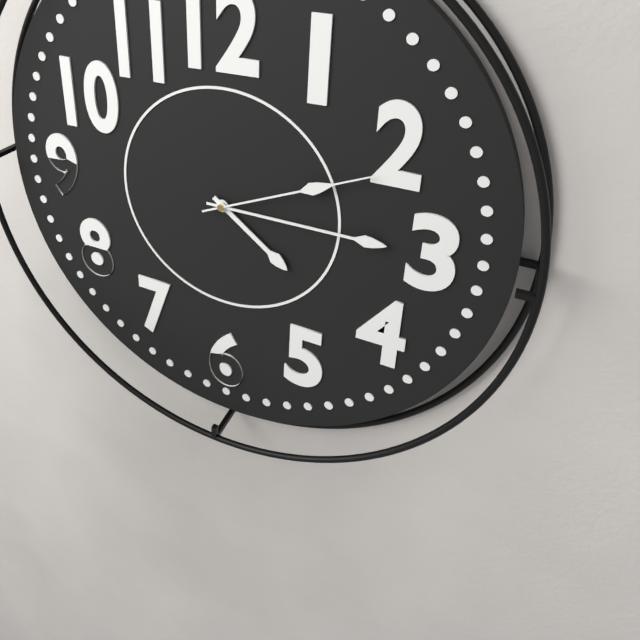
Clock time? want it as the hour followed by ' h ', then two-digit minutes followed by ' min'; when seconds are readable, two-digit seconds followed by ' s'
4 h 15 min 11 s
